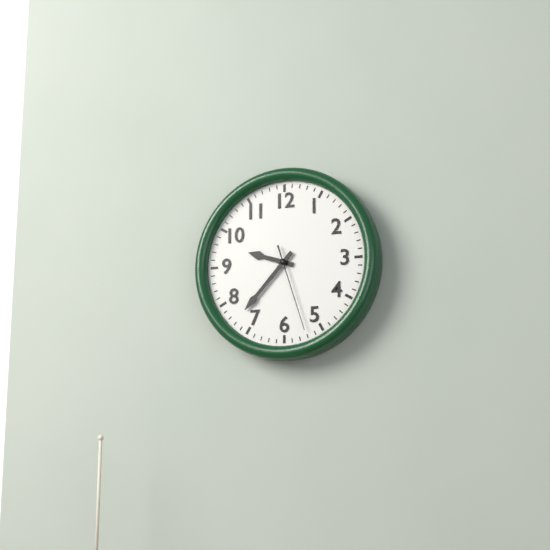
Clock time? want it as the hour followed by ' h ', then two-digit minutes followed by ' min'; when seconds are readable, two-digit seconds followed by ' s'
9 h 37 min 27 s
